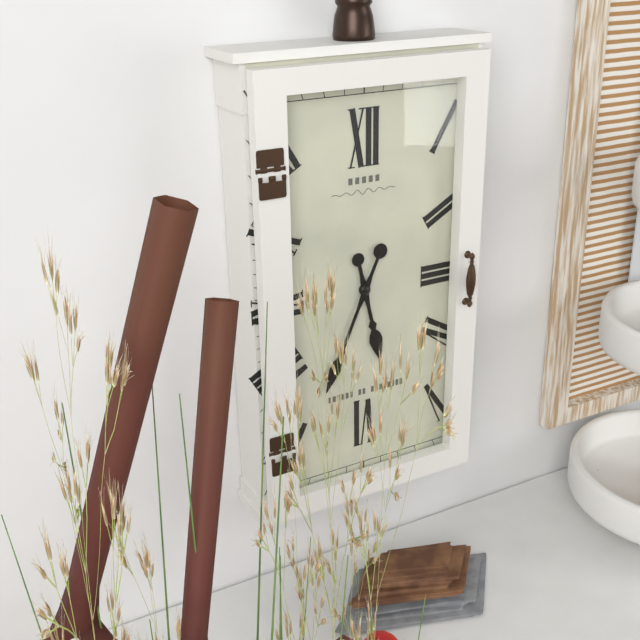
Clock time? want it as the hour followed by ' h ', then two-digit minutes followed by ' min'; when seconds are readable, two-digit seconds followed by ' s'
5 h 34 min
